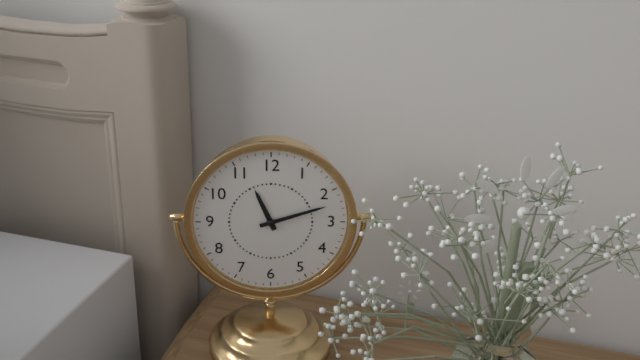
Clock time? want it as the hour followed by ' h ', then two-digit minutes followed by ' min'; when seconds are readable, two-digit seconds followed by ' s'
11 h 12 min
